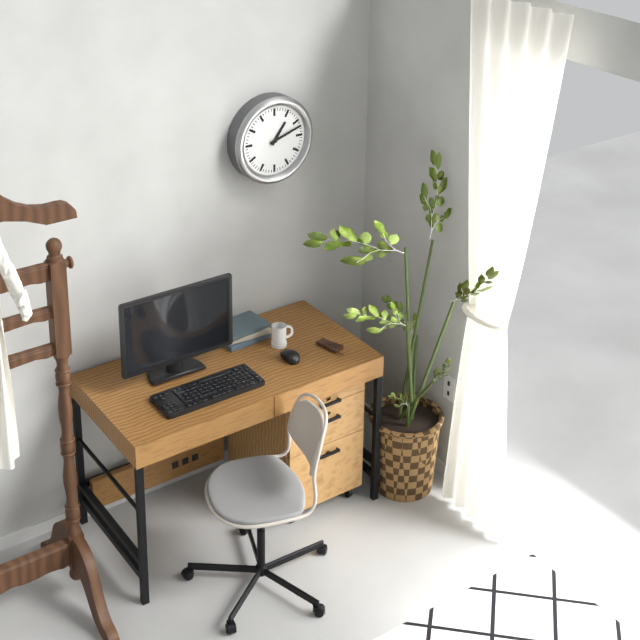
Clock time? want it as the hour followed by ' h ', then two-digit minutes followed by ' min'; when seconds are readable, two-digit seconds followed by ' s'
1 h 12 min
